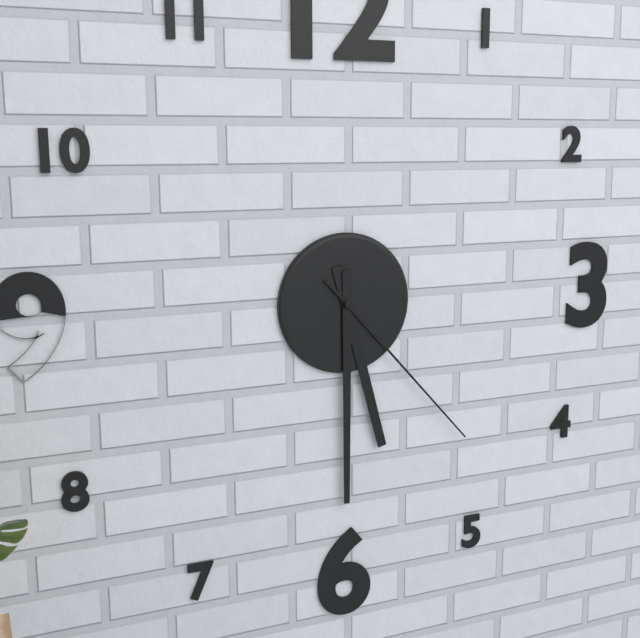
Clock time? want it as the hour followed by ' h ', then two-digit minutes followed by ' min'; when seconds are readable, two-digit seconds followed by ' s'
5 h 30 min 23 s
